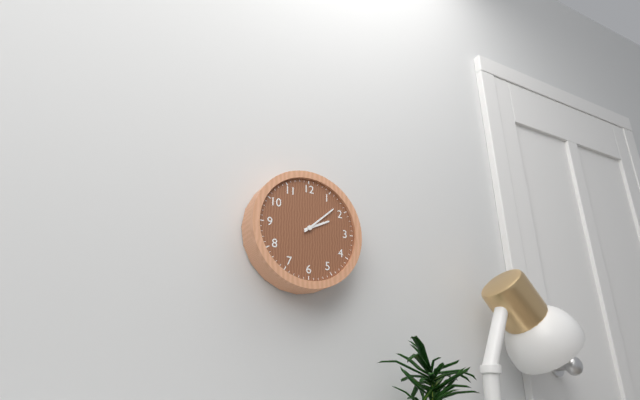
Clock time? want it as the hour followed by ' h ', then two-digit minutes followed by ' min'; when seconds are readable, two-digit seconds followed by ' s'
2 h 08 min
